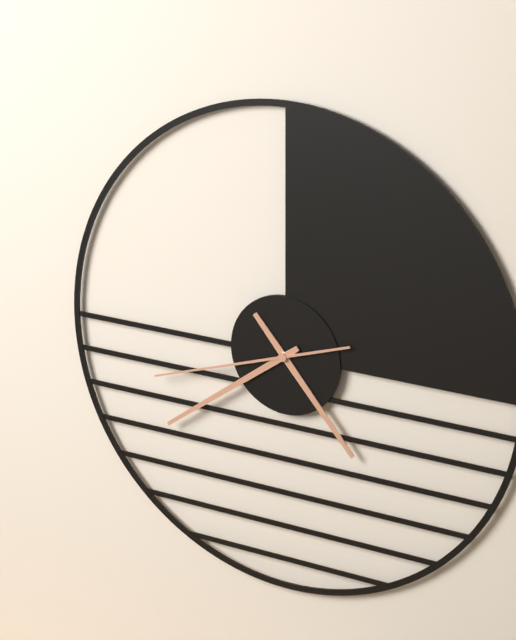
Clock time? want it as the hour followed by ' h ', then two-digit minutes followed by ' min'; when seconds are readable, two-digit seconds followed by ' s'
4 h 39 min 42 s
